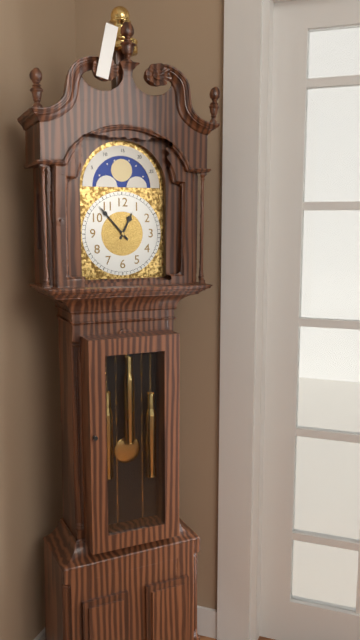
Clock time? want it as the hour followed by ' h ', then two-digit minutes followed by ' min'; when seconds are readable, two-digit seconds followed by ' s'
12 h 53 min
